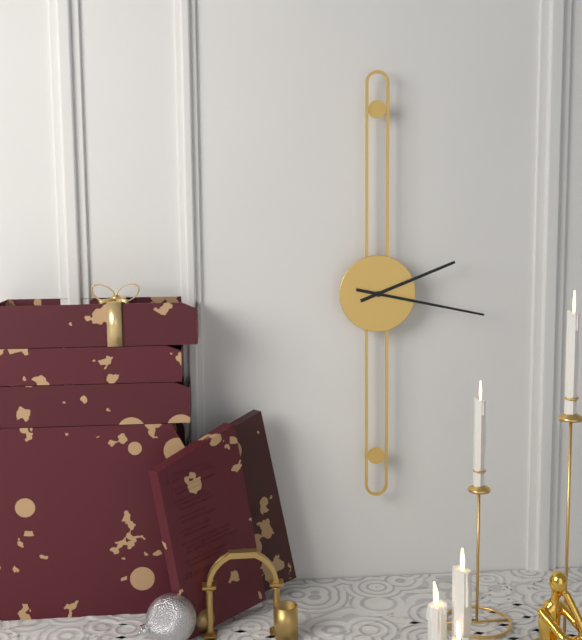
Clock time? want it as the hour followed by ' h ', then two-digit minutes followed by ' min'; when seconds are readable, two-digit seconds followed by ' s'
2 h 17 min
